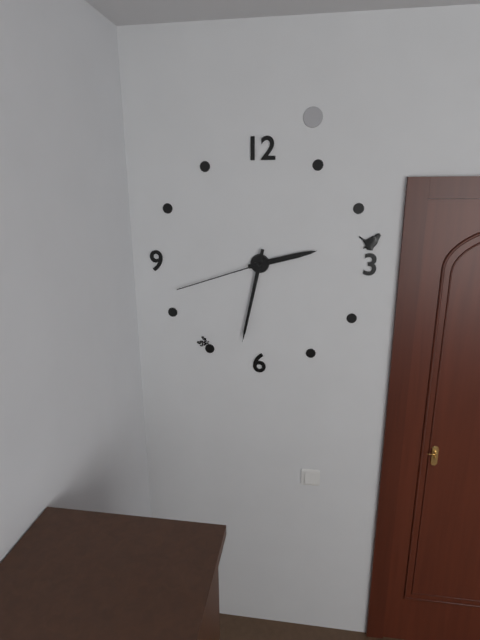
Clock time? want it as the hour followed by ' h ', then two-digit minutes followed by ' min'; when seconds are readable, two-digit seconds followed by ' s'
2 h 32 min 42 s
